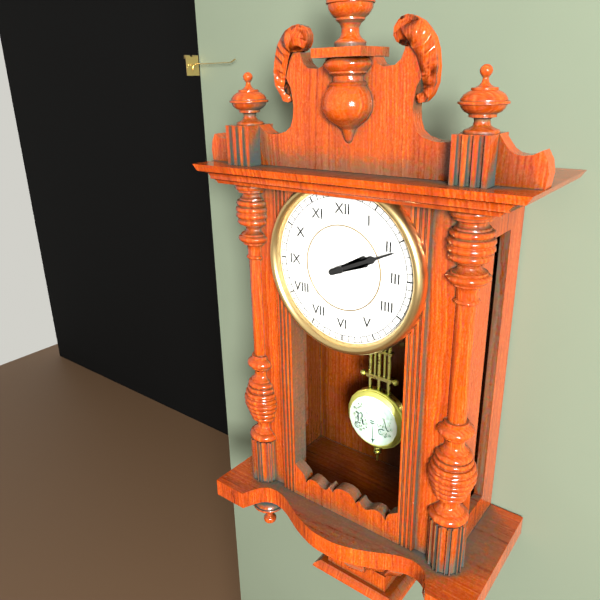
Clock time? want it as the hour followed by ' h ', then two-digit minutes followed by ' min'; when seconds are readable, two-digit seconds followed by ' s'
2 h 11 min
